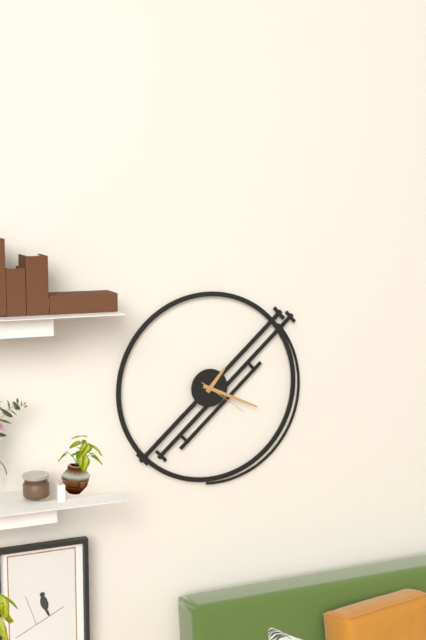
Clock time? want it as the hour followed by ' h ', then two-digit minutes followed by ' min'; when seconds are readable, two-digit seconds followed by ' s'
1 h 19 min 21 s
